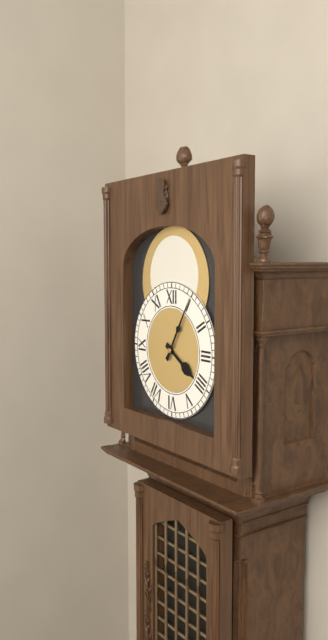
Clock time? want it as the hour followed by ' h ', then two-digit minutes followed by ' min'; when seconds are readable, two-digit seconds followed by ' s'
4 h 05 min
